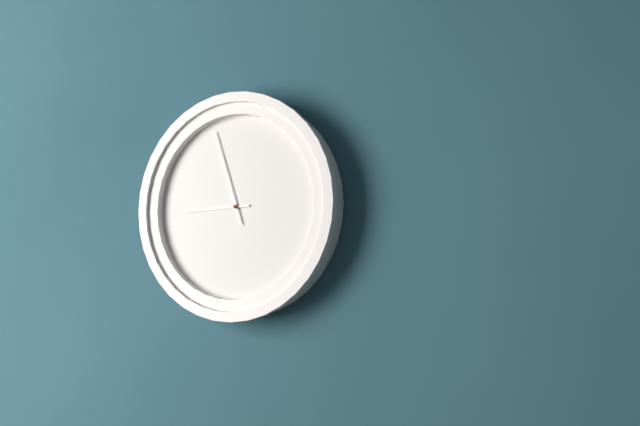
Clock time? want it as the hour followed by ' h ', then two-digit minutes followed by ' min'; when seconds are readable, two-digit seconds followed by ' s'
8 h 57 min
